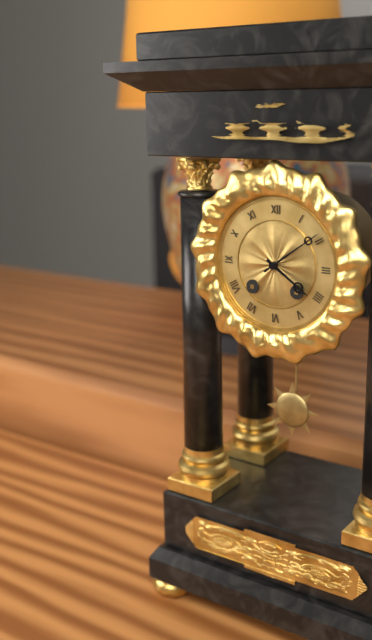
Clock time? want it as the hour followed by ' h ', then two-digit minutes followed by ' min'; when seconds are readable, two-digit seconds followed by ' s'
4 h 09 min
